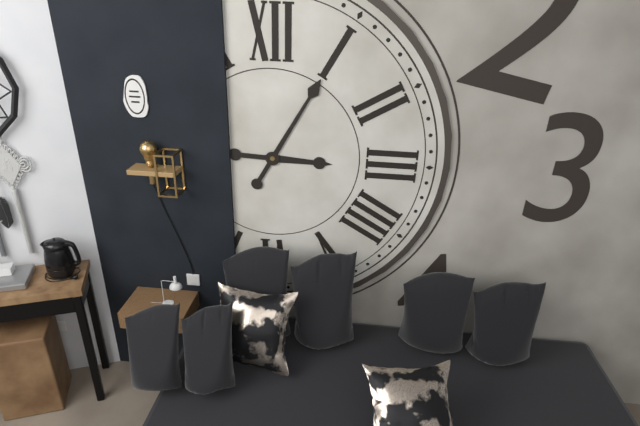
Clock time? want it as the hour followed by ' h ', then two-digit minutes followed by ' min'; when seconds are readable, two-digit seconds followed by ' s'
3 h 05 min
